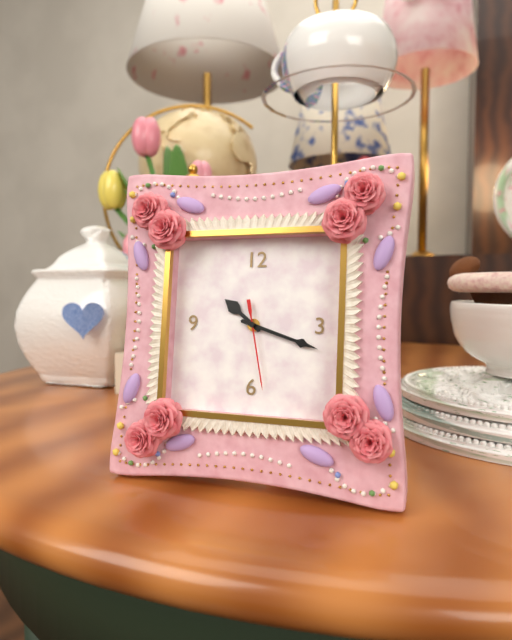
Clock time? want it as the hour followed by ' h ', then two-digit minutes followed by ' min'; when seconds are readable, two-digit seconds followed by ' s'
10 h 18 min 28 s
